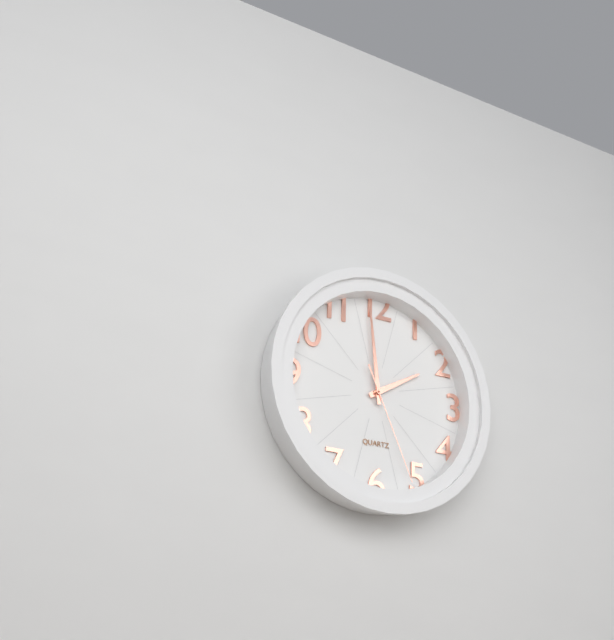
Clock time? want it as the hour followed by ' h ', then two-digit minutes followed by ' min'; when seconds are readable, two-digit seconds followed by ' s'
1 h 59 min 26 s
